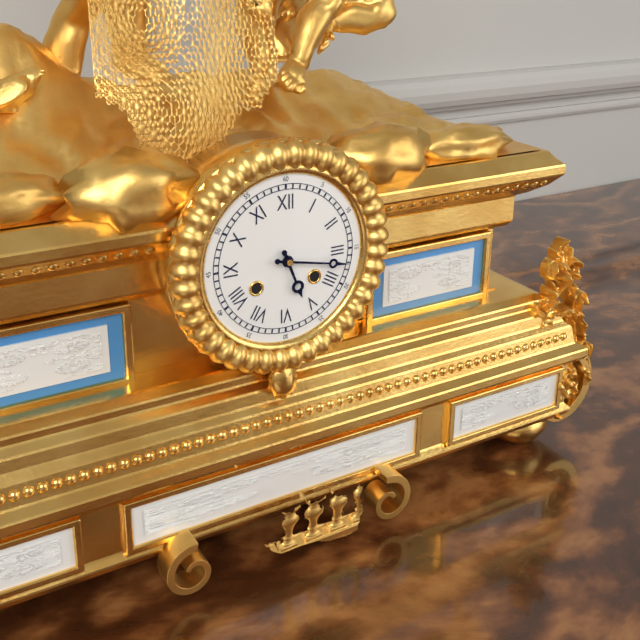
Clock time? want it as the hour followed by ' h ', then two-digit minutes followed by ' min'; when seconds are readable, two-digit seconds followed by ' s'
5 h 17 min
